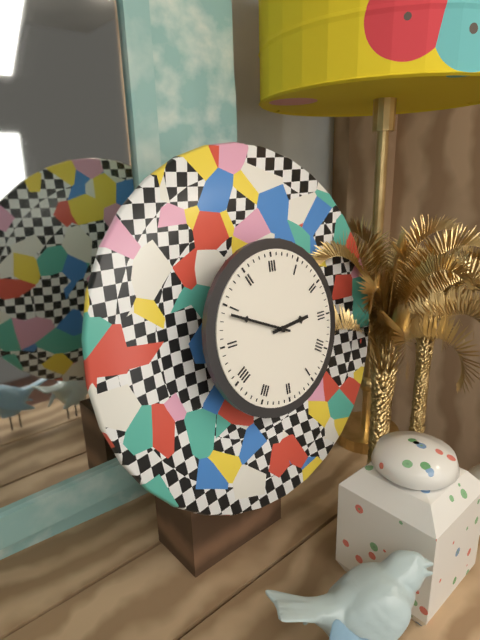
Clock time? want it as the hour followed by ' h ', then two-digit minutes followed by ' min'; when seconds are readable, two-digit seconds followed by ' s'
2 h 49 min
